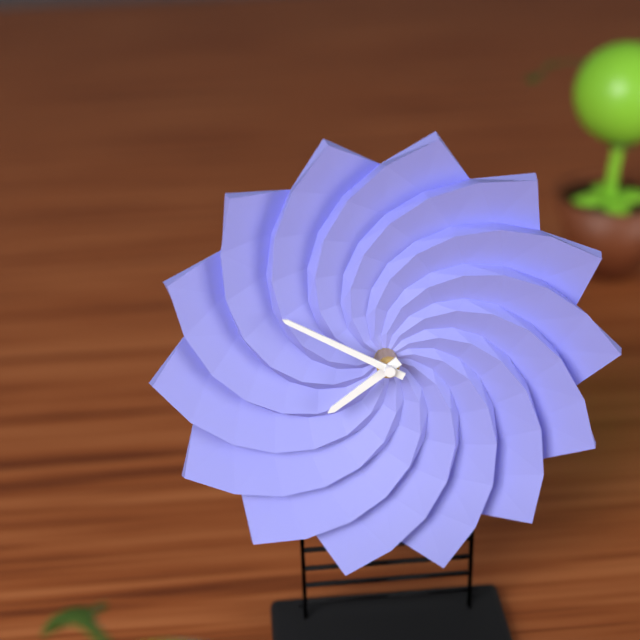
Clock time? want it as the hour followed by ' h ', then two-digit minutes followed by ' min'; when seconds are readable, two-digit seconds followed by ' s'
7 h 50 min
